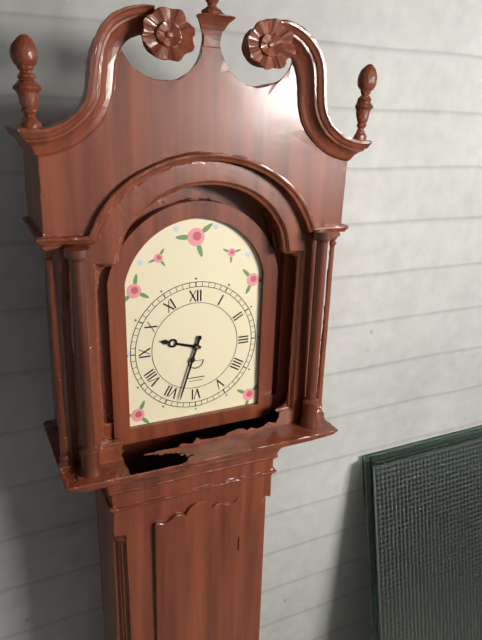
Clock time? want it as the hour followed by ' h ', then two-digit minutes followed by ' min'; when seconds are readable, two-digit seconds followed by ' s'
9 h 33 min
